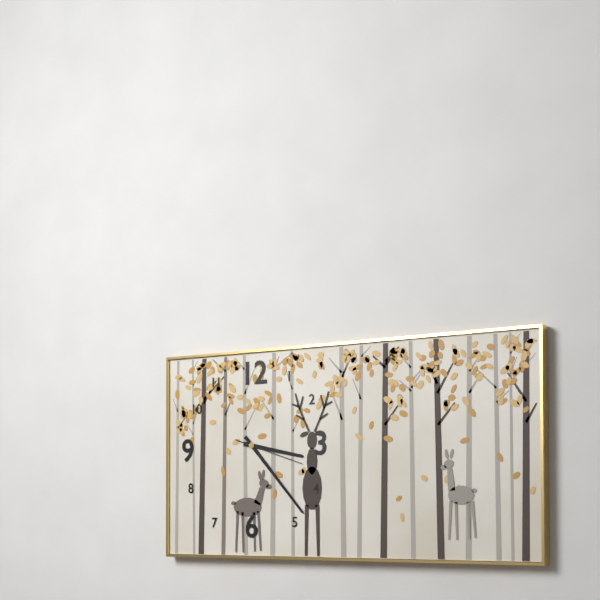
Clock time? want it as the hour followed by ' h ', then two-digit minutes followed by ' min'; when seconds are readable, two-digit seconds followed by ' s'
3 h 23 min 18 s
